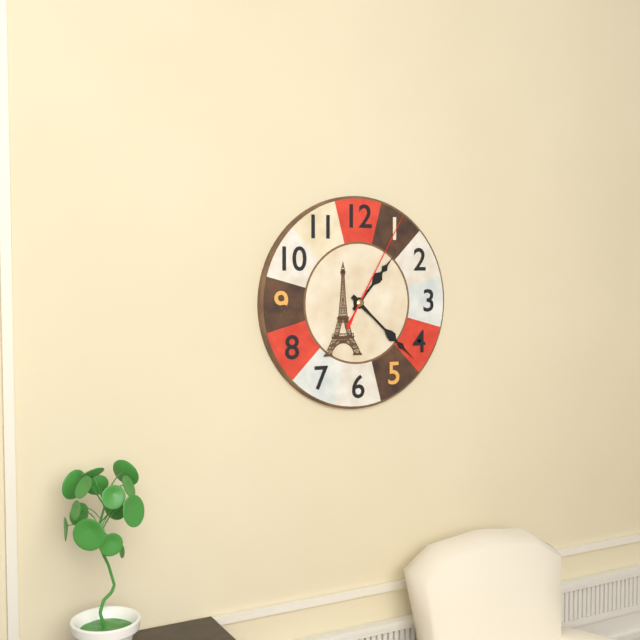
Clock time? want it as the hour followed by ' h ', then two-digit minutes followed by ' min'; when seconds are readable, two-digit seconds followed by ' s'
1 h 22 min 05 s
